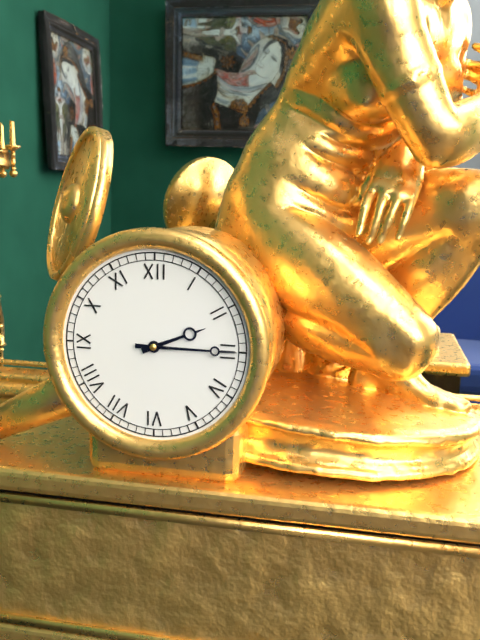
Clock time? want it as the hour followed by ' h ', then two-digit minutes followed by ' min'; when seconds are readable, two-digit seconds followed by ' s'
2 h 15 min
